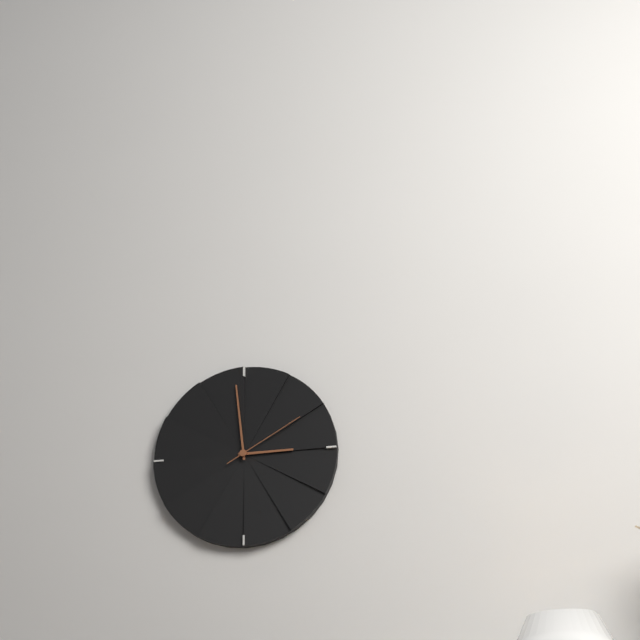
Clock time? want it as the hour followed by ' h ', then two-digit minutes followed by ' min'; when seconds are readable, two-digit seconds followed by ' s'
2 h 59 min 10 s
